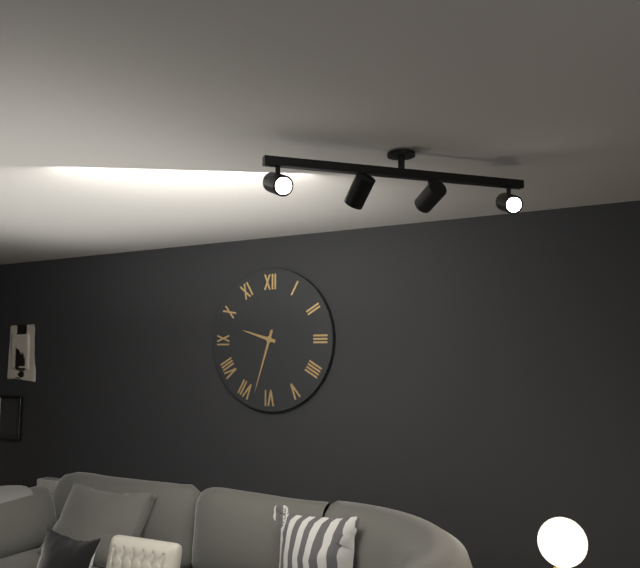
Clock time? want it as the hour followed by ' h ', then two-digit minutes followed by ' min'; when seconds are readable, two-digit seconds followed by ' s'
9 h 33 min
